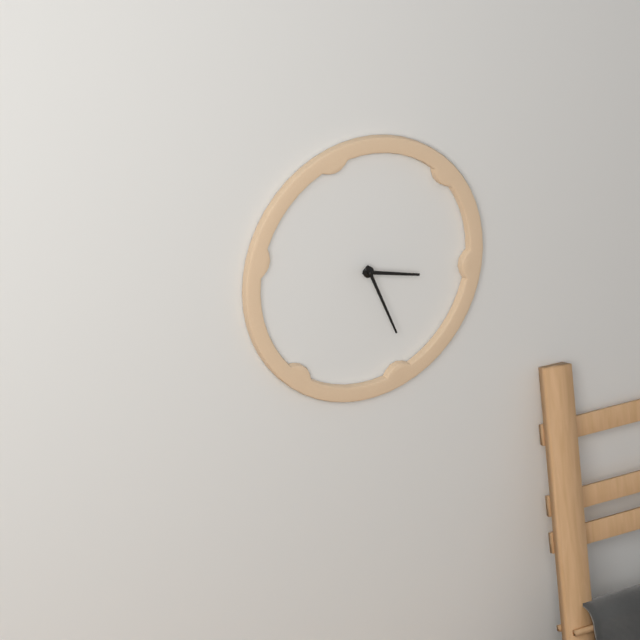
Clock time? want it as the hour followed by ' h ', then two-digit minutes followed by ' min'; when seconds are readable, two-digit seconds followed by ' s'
3 h 26 min
